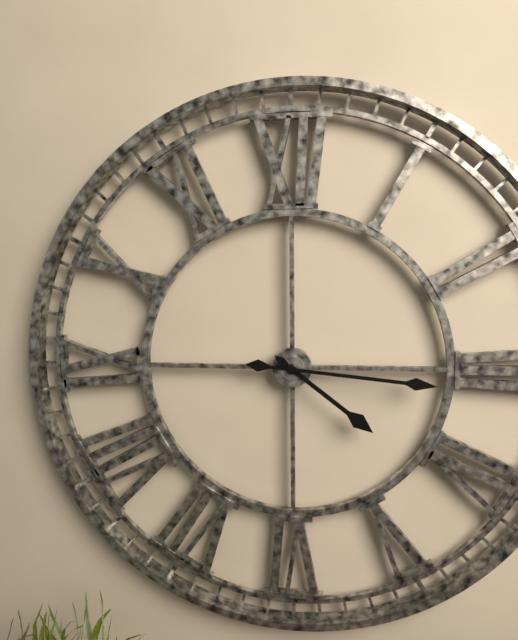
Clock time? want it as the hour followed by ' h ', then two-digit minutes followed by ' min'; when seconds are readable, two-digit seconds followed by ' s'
4 h 16 min
